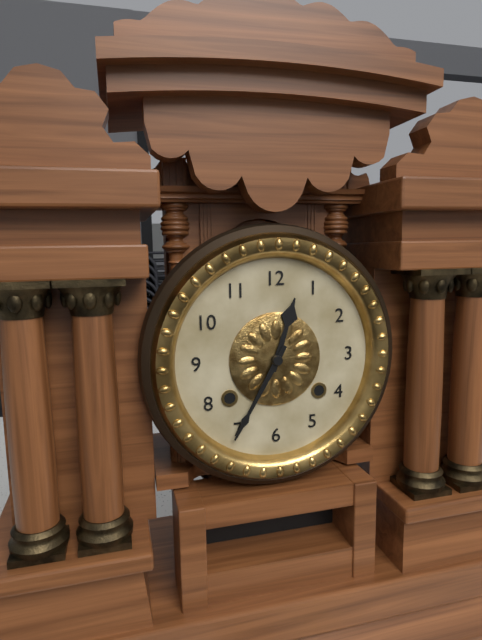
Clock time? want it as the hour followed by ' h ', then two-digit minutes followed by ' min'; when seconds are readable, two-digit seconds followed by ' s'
12 h 35 min
